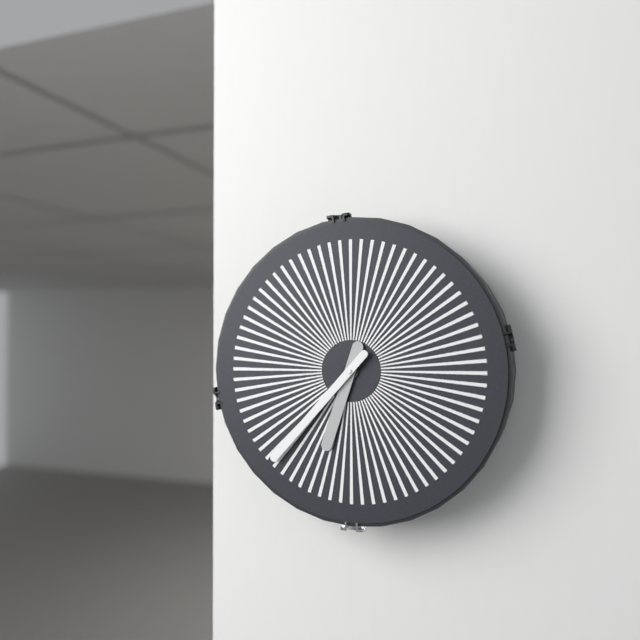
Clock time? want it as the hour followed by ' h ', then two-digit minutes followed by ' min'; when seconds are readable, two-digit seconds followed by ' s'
6 h 37 min
